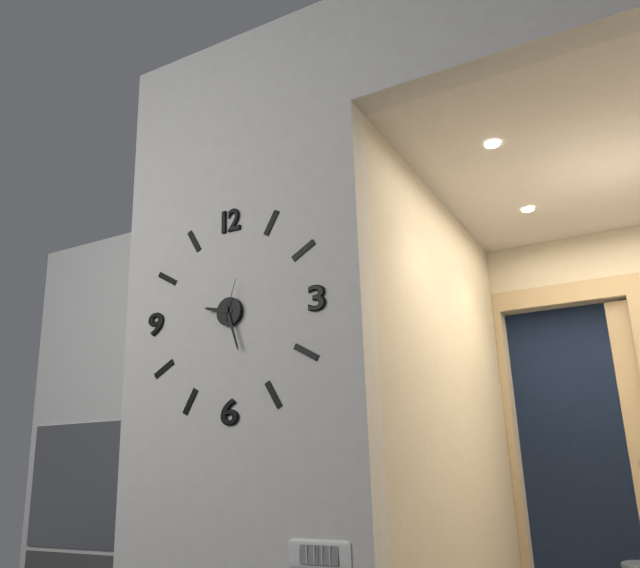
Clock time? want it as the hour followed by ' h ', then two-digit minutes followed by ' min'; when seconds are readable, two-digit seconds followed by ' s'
9 h 27 min
